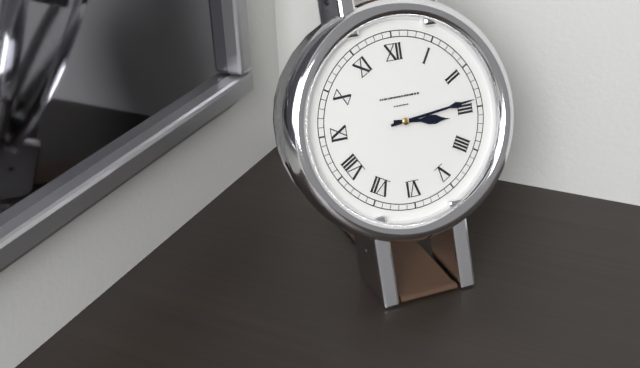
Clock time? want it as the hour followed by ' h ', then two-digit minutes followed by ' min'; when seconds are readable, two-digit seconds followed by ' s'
3 h 14 min
